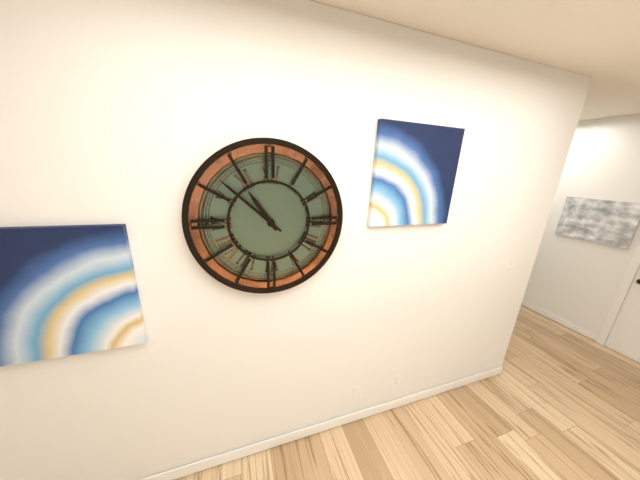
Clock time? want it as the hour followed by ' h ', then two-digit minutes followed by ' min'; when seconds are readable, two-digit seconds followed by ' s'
10 h 52 min
